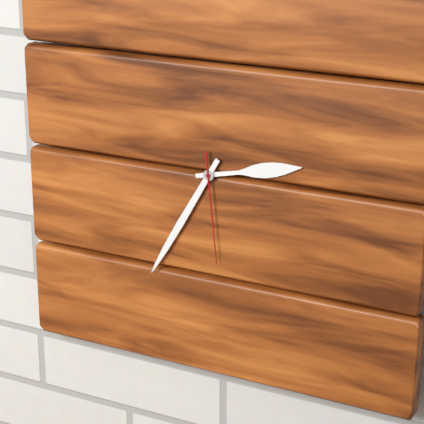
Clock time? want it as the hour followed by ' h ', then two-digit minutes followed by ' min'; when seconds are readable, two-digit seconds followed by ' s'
2 h 35 min 29 s
